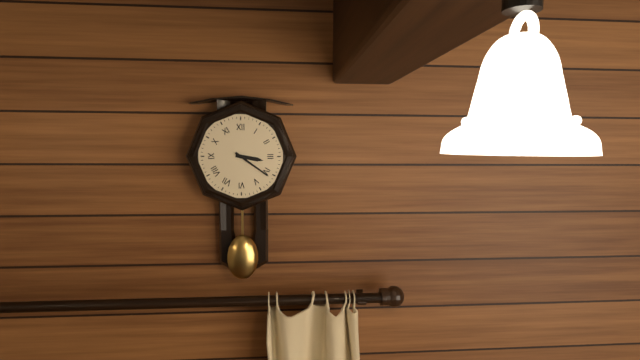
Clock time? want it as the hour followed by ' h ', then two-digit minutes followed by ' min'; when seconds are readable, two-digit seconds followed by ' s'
3 h 21 min
